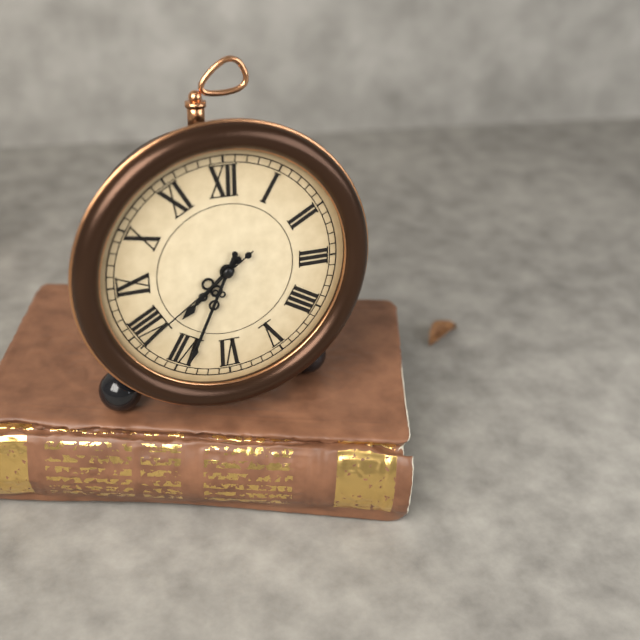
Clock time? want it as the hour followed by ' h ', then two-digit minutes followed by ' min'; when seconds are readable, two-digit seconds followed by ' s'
7 h 34 min 39 s
